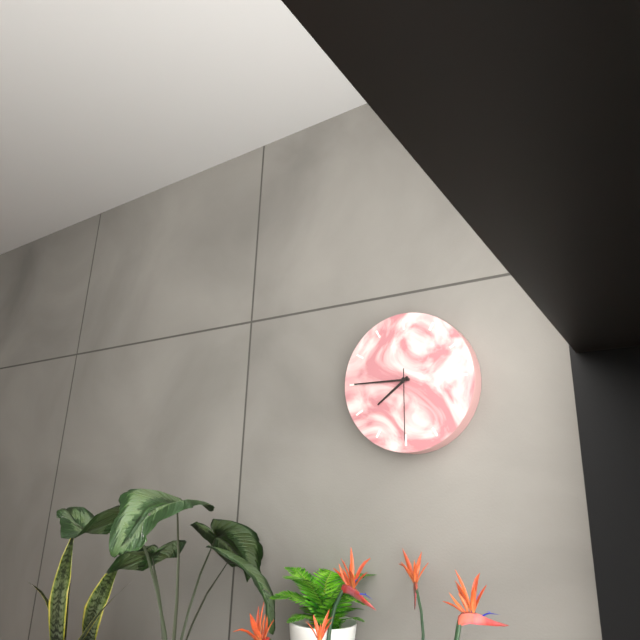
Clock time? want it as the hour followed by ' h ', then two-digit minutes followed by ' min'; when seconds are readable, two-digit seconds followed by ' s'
7 h 45 min 30 s
